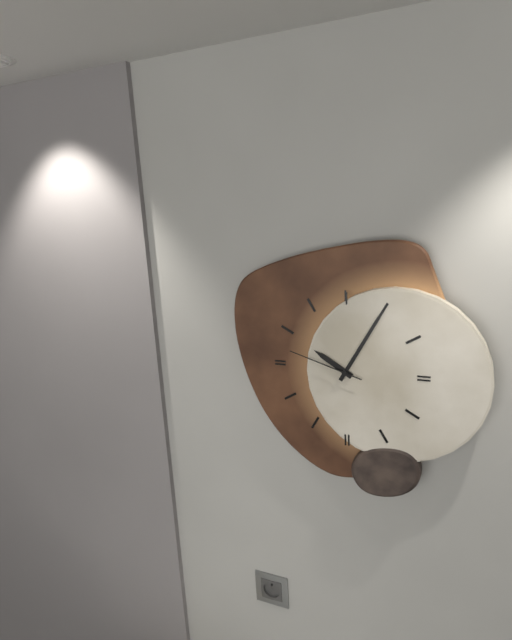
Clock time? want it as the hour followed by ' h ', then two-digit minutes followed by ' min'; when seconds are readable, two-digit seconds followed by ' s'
10 h 05 min 48 s
